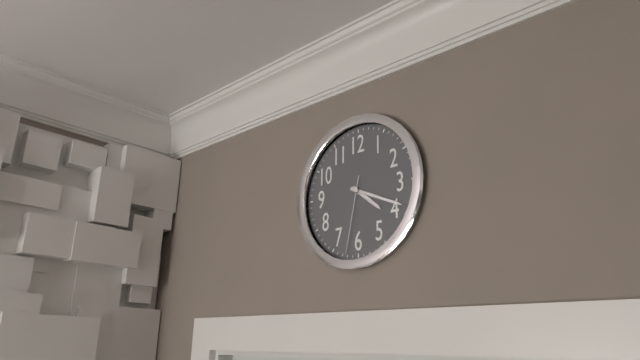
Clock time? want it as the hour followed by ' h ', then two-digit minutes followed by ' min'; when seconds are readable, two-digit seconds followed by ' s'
4 h 19 min 32 s
